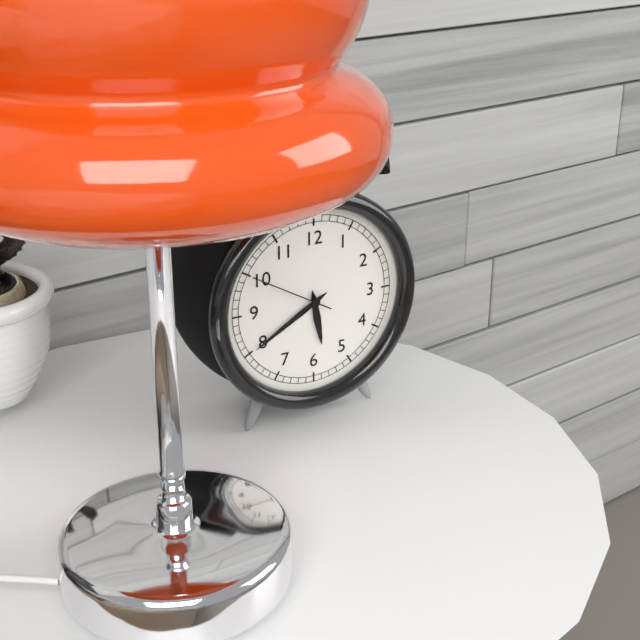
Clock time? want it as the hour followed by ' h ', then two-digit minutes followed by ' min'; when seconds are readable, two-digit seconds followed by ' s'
5 h 40 min 50 s
